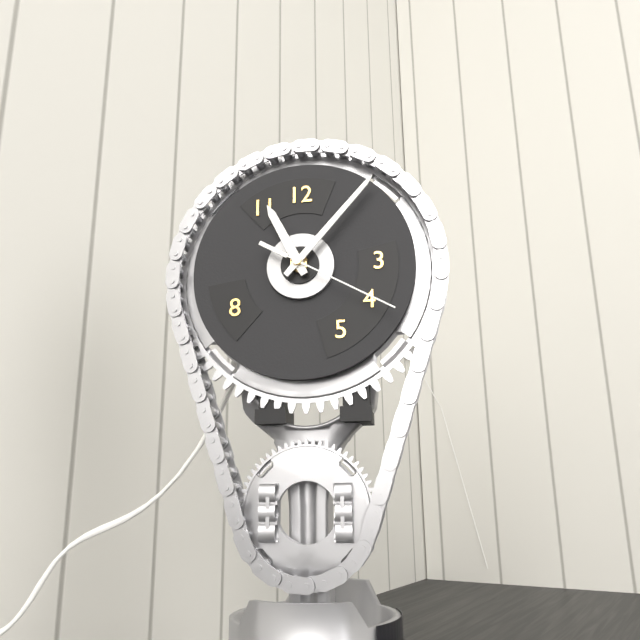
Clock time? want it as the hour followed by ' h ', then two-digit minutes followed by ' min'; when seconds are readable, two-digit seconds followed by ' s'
11 h 07 min 20 s
